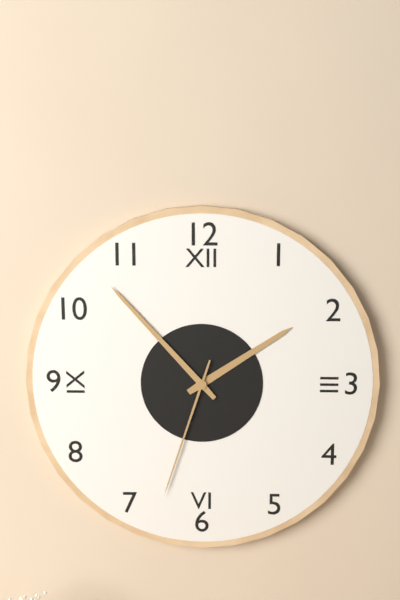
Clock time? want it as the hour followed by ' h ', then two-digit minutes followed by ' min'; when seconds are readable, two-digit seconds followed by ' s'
1 h 53 min 33 s
